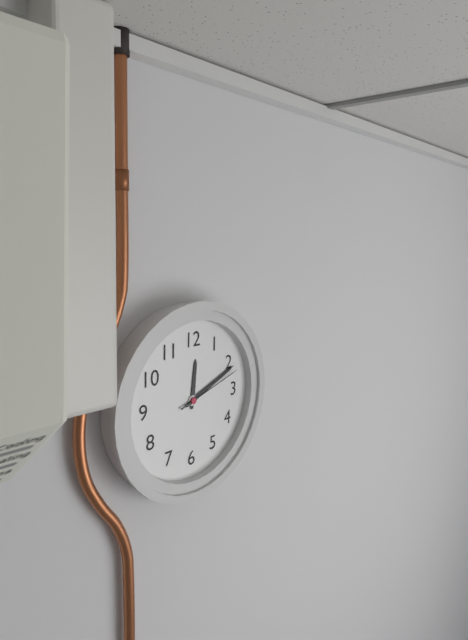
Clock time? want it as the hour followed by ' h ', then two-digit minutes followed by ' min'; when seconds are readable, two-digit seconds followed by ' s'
12 h 11 min 12 s
